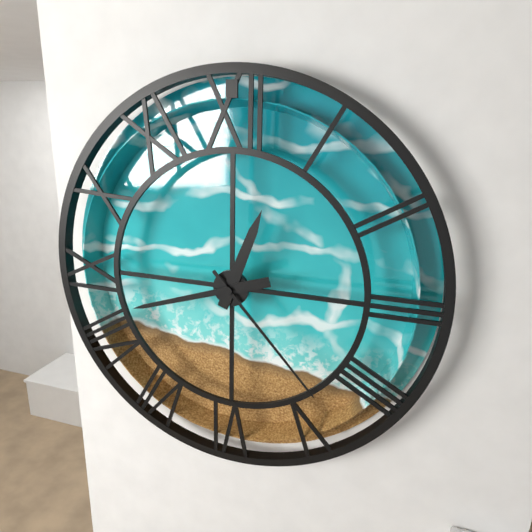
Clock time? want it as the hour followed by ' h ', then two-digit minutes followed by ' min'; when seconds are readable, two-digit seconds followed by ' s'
12 h 42 min 23 s
